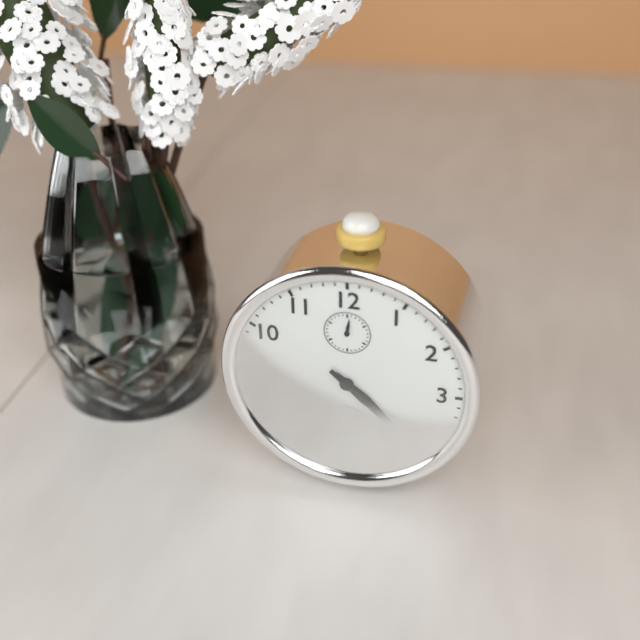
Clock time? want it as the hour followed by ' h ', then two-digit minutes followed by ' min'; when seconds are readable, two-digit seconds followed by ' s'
4 h 22 min
